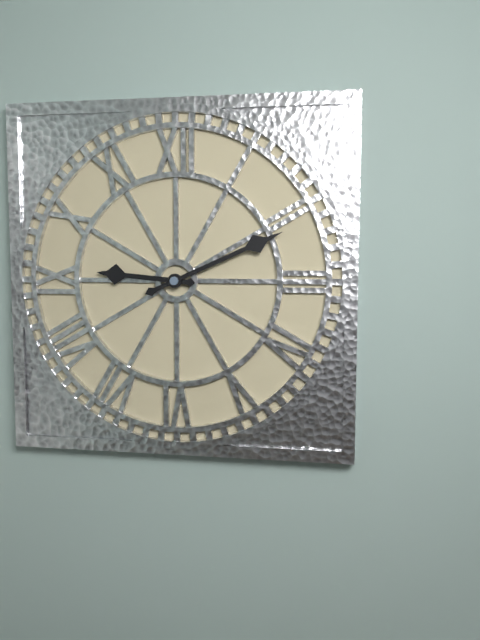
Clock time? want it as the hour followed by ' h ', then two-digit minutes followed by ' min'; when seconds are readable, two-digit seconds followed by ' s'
9 h 11 min
